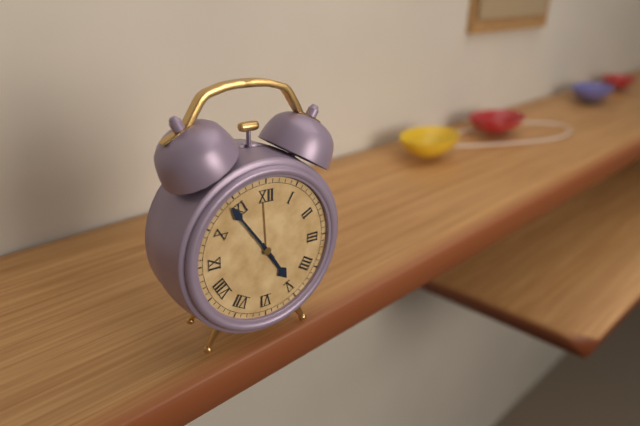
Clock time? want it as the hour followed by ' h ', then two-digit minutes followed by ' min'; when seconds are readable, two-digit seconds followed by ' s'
4 h 54 min
